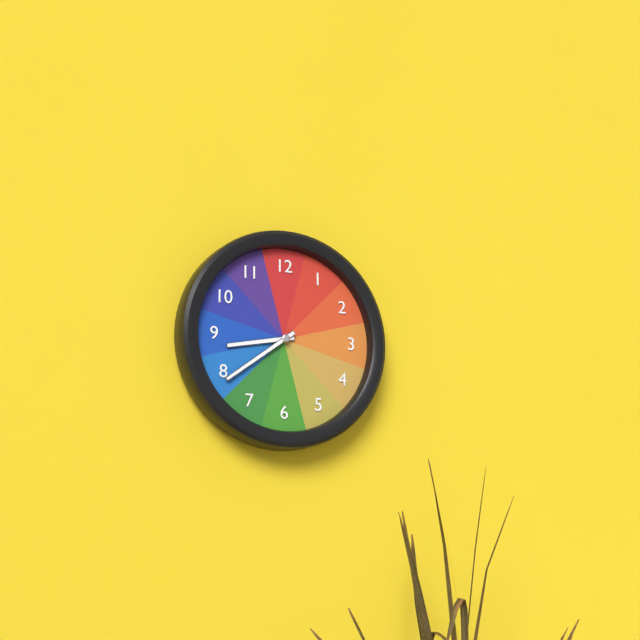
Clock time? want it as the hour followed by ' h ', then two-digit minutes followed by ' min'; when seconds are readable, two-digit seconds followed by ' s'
8 h 39 min
